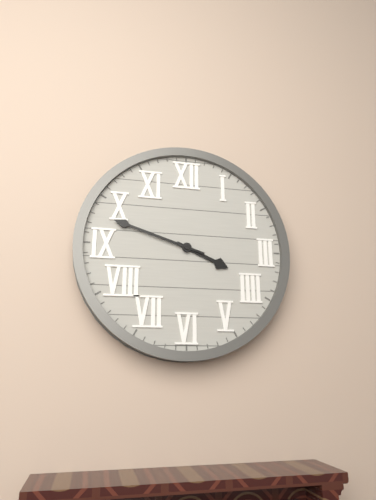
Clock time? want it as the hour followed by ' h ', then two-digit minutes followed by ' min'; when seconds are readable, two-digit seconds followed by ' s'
3 h 48 min
